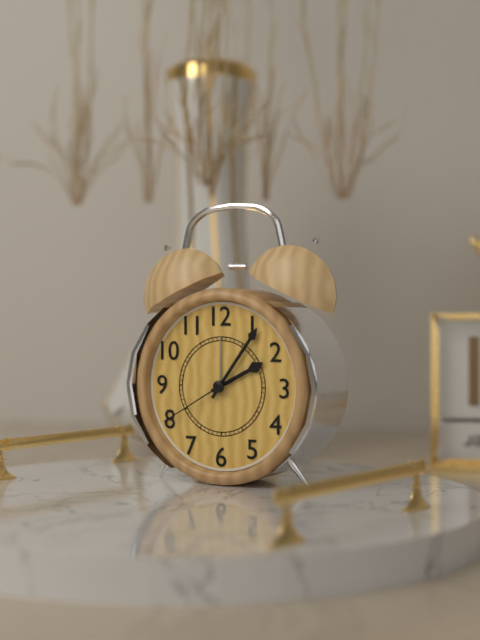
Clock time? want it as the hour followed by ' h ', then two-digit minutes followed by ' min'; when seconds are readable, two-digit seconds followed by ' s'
2 h 06 min 40 s
